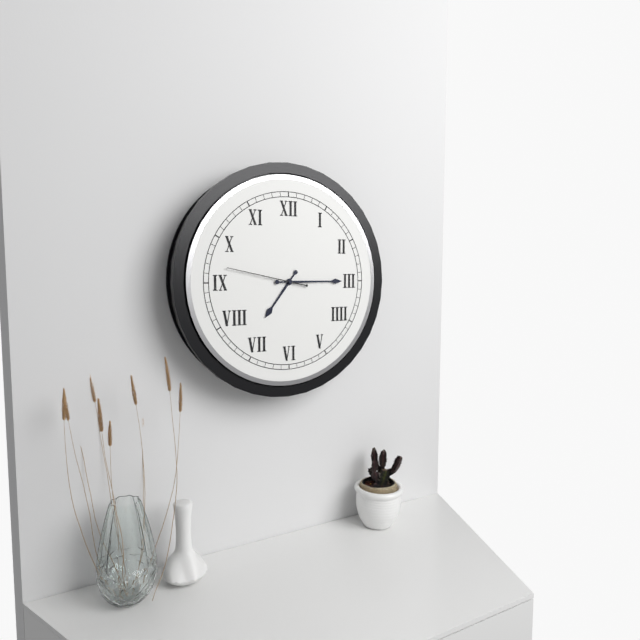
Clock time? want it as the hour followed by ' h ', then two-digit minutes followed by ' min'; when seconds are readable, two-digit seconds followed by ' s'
7 h 15 min 47 s
